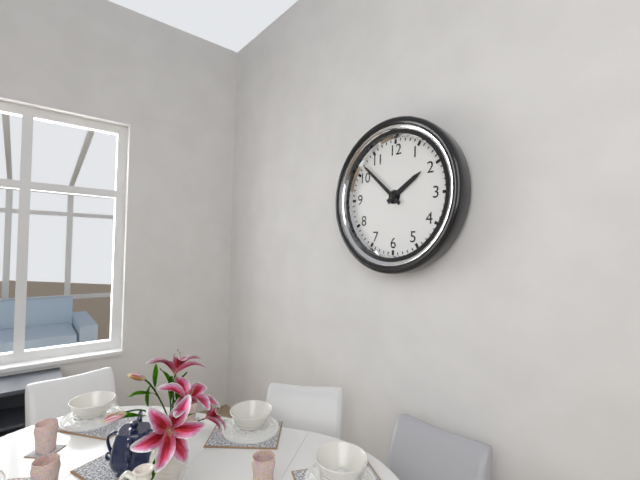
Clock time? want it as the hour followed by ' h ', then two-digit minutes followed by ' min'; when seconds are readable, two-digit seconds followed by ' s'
1 h 52 min
